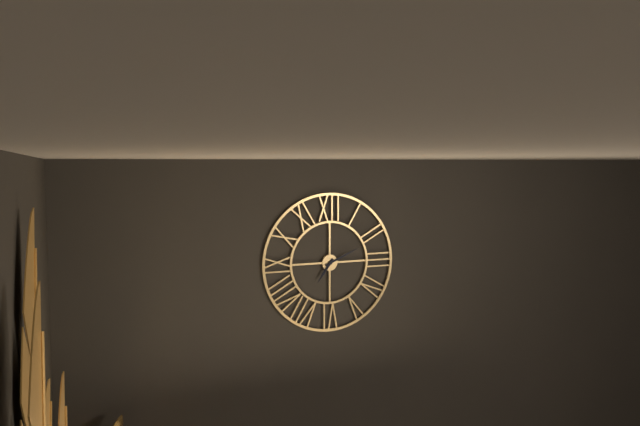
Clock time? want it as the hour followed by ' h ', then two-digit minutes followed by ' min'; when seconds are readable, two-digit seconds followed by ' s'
7 h 11 min
